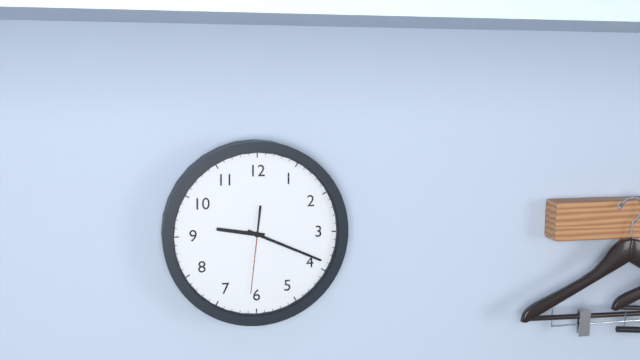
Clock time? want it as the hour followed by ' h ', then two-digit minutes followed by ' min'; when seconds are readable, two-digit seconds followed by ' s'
9 h 19 min 31 s
